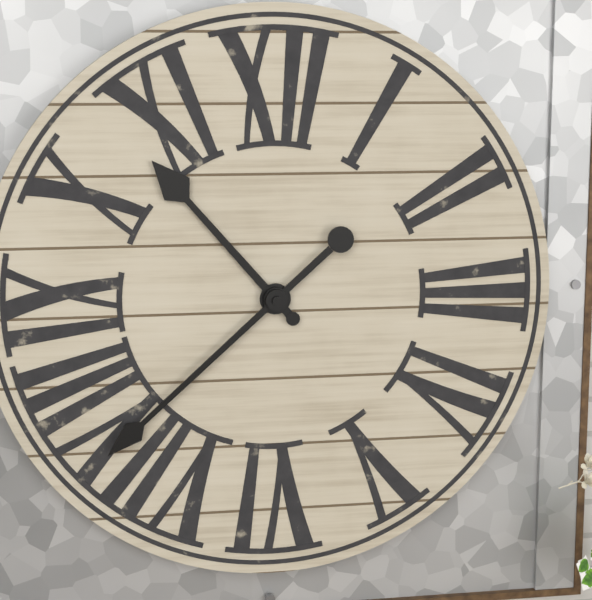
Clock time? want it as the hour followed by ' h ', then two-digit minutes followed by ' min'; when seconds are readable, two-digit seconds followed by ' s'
10 h 38 min
